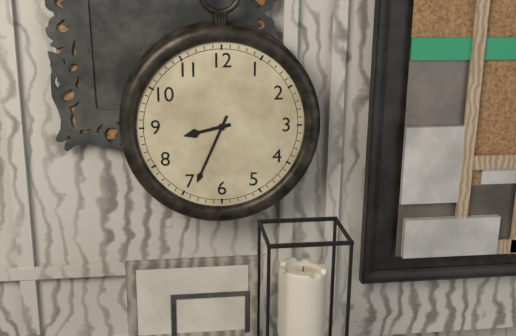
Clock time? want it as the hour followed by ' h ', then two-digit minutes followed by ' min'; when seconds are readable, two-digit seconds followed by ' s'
8 h 34 min
